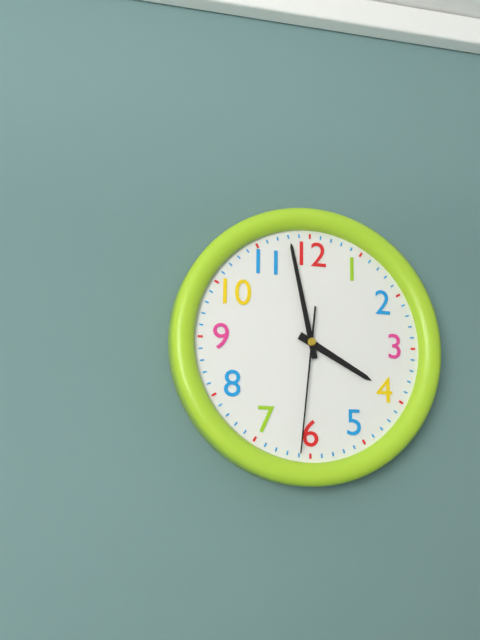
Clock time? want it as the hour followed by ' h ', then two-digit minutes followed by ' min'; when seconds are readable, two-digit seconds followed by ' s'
3 h 58 min 31 s
